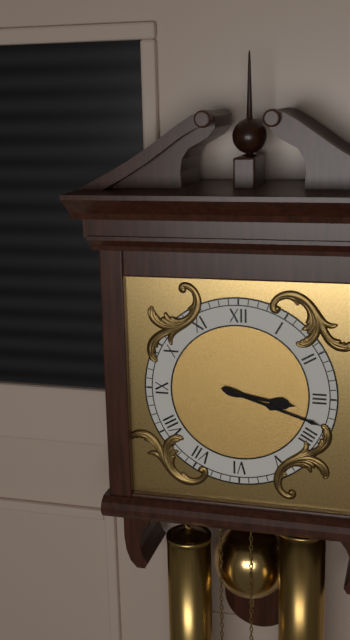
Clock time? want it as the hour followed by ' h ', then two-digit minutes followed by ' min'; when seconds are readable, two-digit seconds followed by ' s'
3 h 18 min
